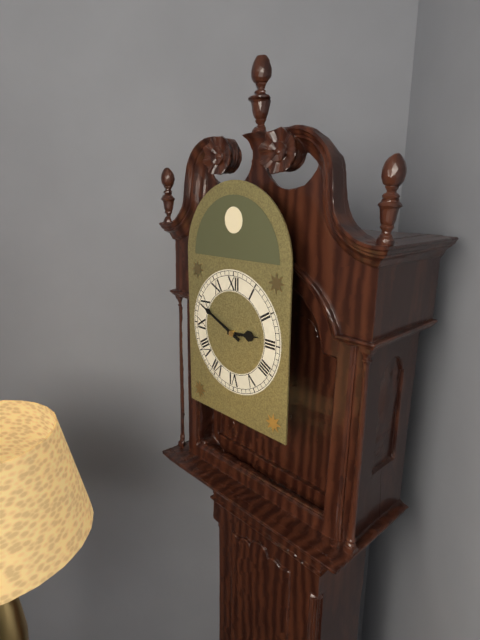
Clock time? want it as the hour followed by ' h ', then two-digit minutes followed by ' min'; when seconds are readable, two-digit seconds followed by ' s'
2 h 49 min
